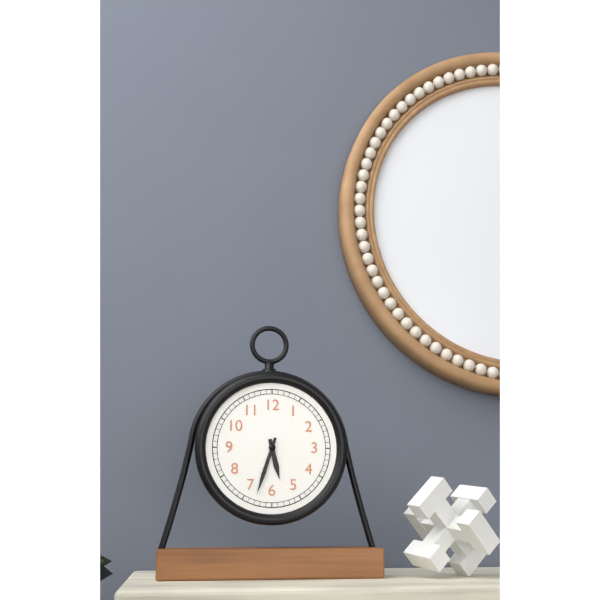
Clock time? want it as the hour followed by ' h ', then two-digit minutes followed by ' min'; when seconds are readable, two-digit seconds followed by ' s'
5 h 33 min
